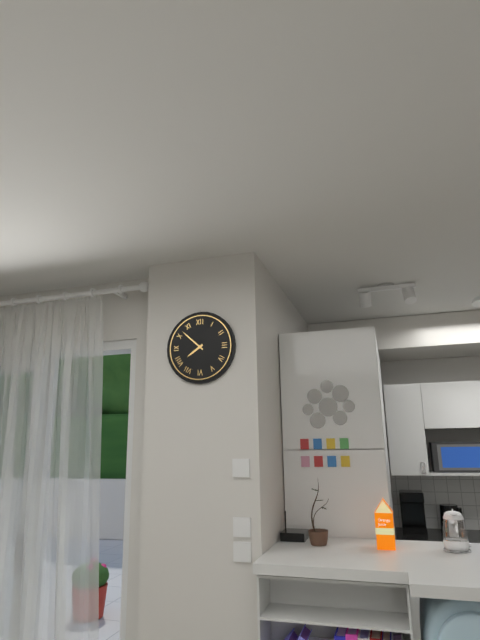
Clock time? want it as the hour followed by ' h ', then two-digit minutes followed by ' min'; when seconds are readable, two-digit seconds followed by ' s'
7 h 52 min
